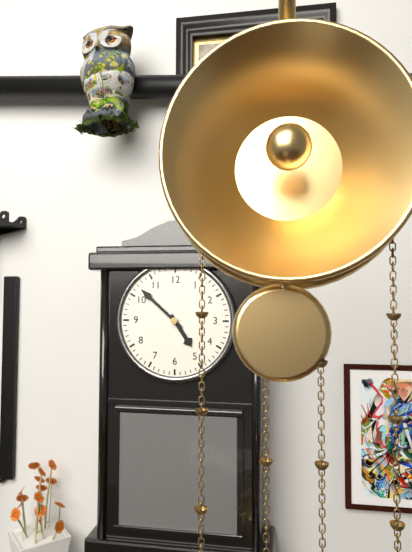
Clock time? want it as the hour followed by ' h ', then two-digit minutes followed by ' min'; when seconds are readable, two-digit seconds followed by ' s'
4 h 52 min
